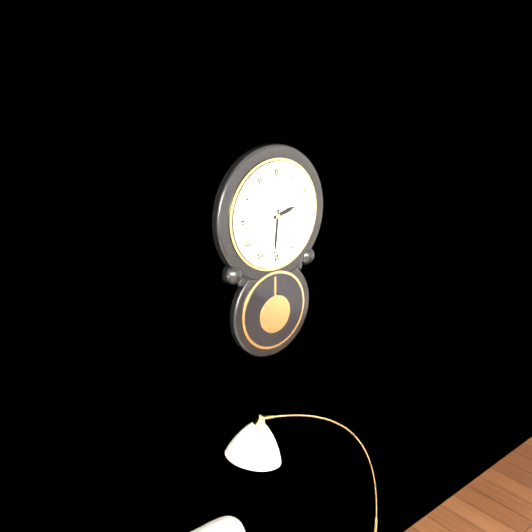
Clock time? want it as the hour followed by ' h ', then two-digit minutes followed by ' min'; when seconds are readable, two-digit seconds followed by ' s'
2 h 31 min
